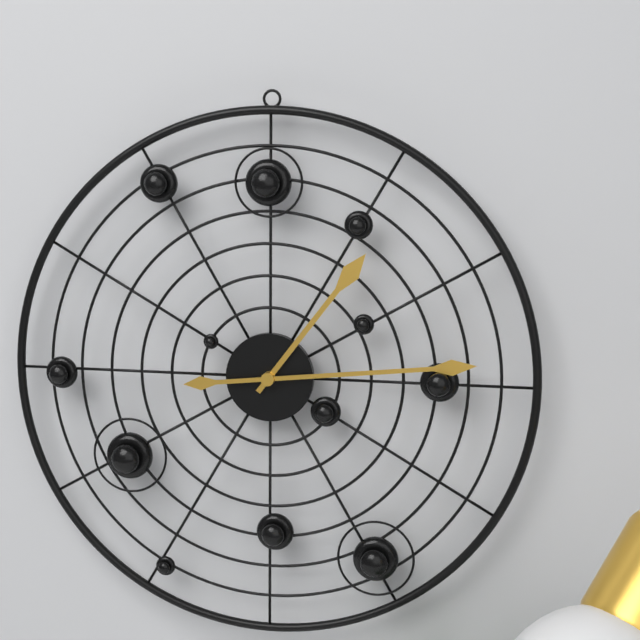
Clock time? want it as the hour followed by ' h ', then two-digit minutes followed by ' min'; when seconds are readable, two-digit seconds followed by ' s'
1 h 14 min
